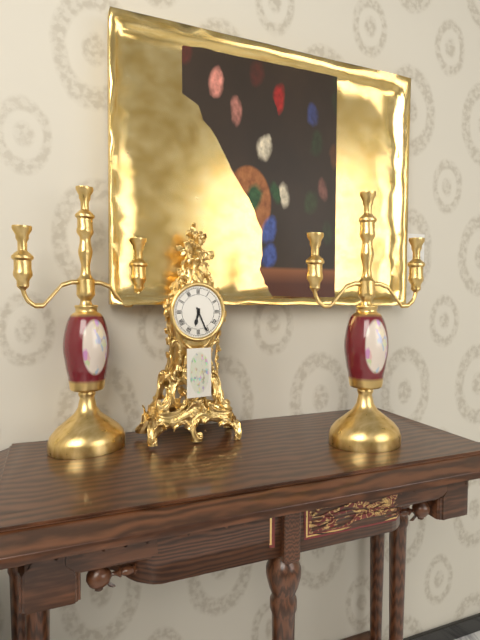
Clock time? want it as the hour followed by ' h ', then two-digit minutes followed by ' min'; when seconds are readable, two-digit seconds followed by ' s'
6 h 26 min
